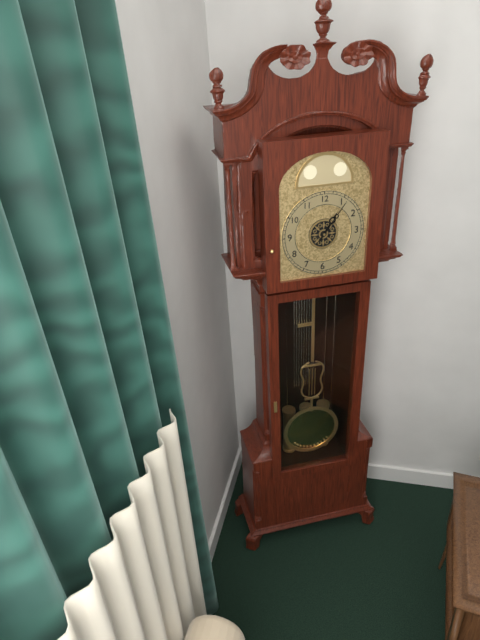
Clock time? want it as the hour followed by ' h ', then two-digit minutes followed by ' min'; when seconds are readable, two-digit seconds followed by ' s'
1 h 06 min
